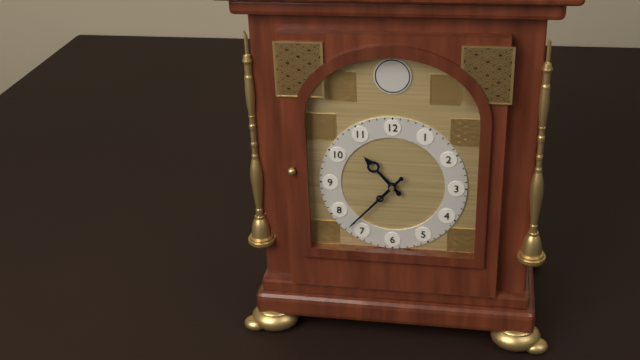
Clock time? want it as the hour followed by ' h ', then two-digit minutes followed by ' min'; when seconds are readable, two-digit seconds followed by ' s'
10 h 37 min
